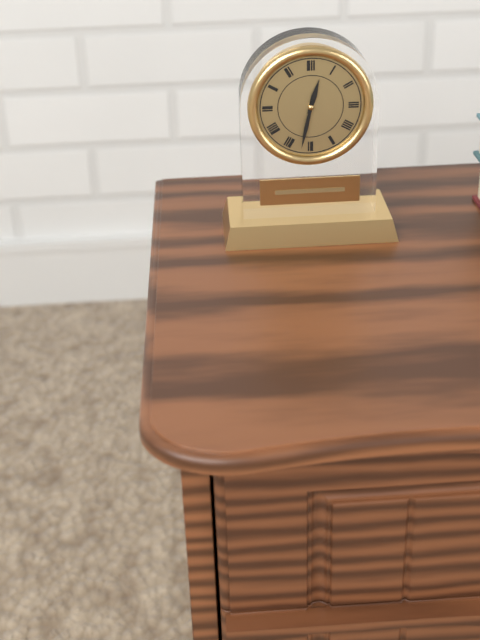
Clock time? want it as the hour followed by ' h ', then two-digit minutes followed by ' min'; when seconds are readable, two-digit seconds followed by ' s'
12 h 32 min
